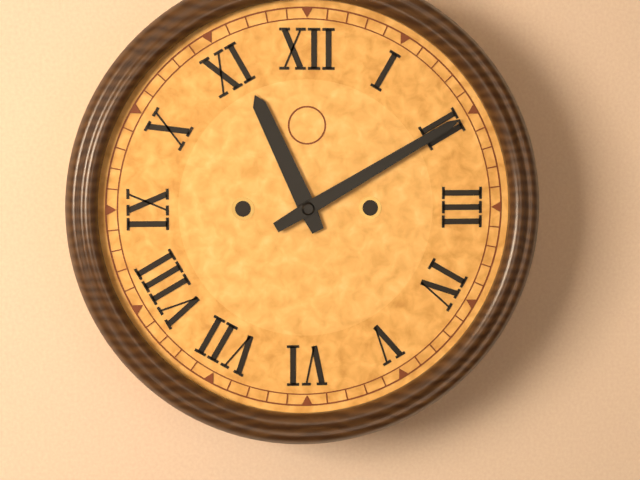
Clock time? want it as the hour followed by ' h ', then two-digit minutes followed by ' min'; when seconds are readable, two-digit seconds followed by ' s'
11 h 10 min
